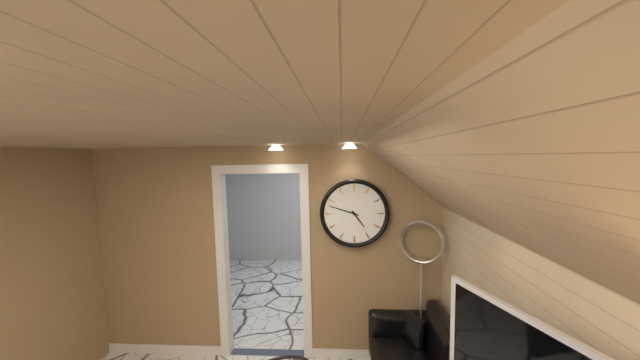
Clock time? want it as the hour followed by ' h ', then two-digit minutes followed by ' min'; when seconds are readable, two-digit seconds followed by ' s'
4 h 48 min
